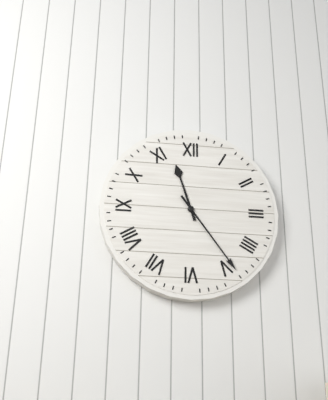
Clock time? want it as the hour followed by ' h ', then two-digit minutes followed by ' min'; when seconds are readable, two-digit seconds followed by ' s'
11 h 24 min
